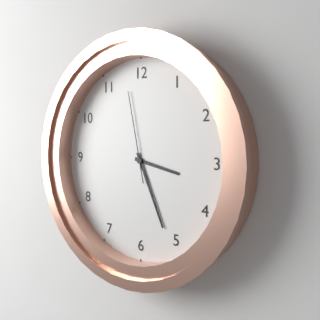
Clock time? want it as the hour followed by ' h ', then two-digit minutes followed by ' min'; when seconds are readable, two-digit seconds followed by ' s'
3 h 26 min 58 s
